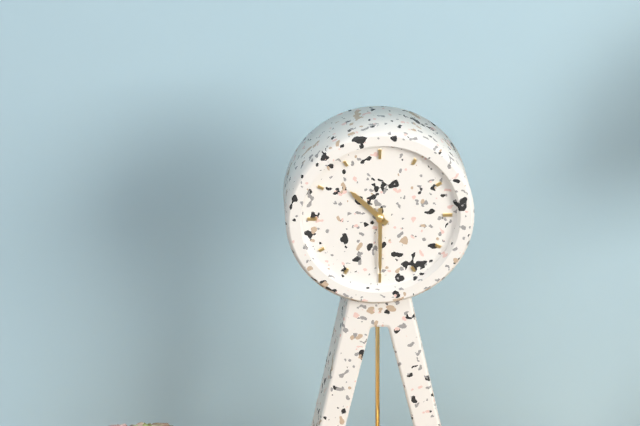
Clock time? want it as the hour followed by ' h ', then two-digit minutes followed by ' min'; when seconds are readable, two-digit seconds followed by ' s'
10 h 30 min
